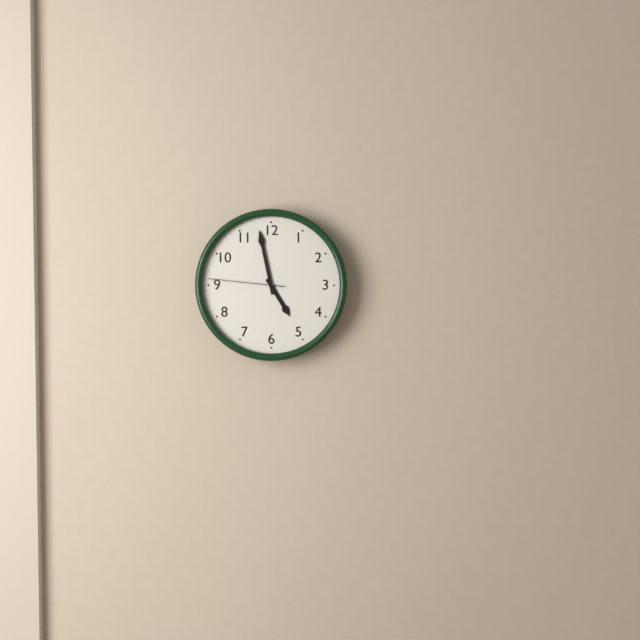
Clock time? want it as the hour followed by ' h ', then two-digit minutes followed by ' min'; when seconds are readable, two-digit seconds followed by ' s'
4 h 58 min 46 s
